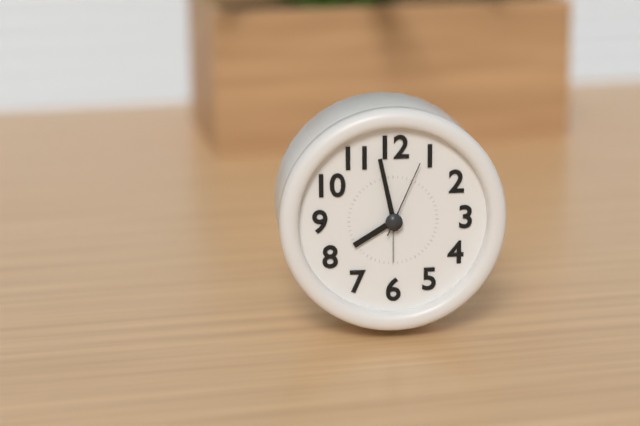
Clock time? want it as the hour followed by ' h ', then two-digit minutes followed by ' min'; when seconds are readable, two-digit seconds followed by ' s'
7 h 58 min 04 s
